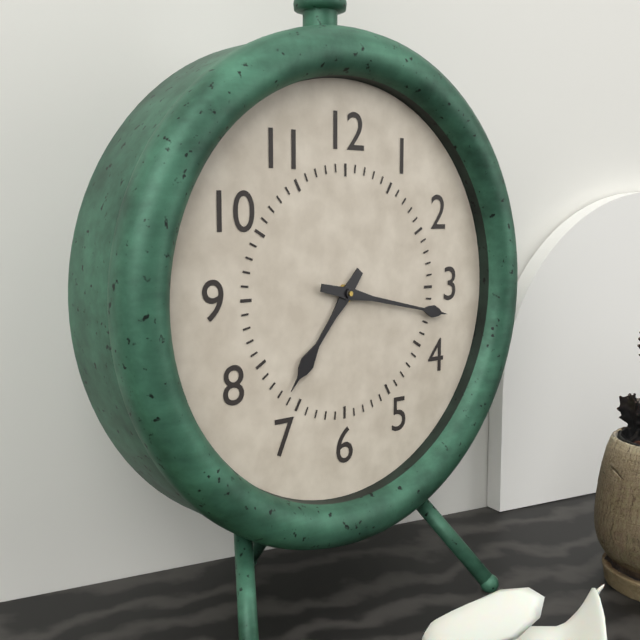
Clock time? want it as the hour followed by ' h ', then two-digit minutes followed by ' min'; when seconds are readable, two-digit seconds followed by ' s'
7 h 17 min
